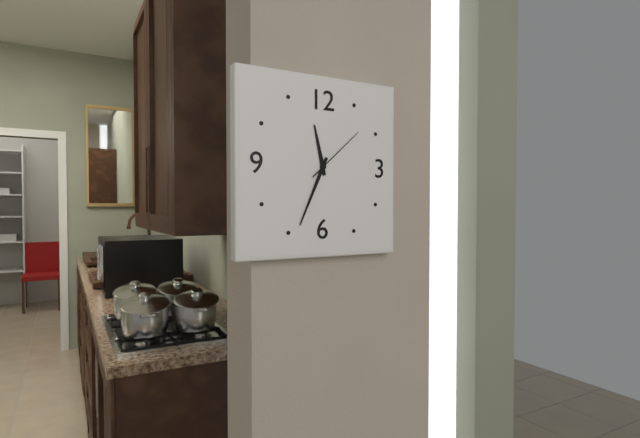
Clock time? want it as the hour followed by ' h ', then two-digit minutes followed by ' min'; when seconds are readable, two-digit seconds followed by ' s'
11 h 34 min 08 s
